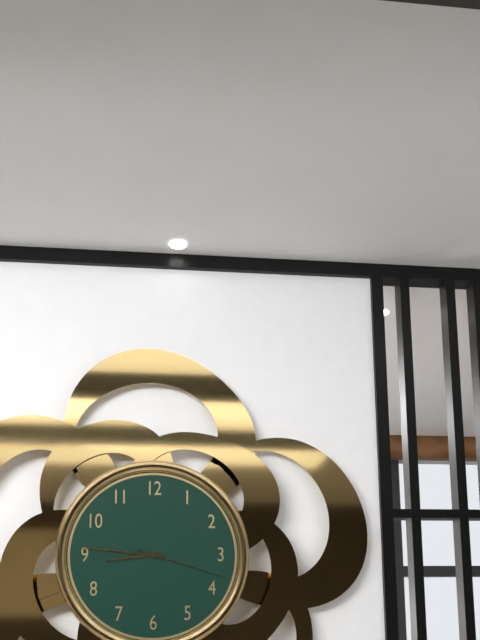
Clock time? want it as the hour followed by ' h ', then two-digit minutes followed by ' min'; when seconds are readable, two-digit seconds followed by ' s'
8 h 46 min 18 s
